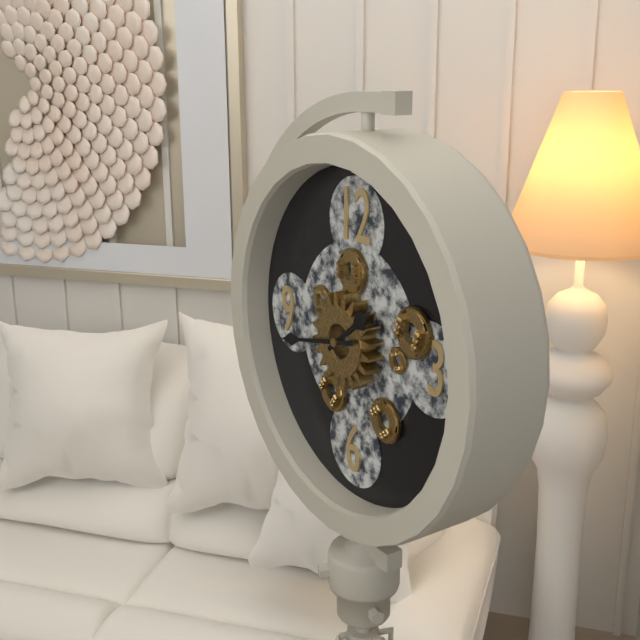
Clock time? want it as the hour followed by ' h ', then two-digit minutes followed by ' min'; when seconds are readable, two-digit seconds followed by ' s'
1 h 43 min
